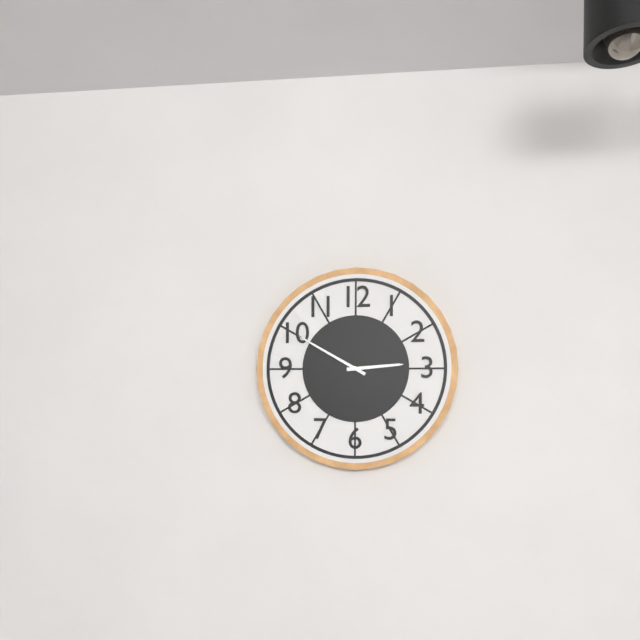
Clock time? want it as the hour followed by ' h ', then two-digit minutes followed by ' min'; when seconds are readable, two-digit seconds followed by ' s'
2 h 50 min
